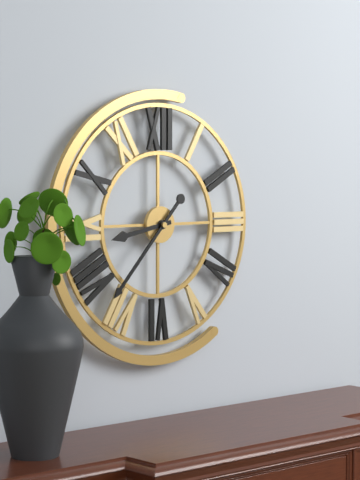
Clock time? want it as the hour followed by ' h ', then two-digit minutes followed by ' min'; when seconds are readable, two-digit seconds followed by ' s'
8 h 37 min
